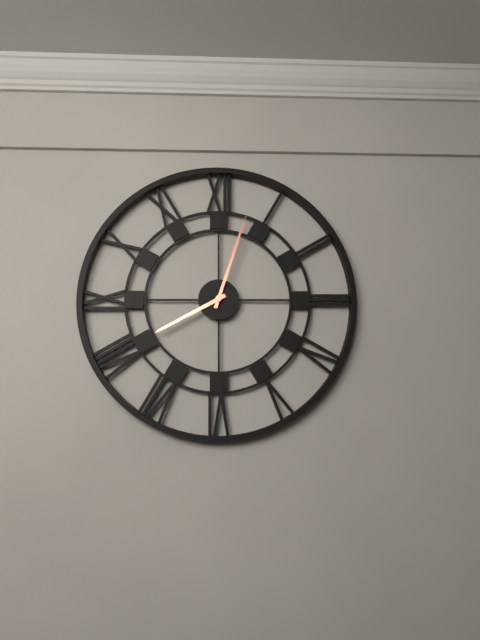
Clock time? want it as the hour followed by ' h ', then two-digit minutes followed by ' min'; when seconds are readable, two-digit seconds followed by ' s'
8 h 03 min
